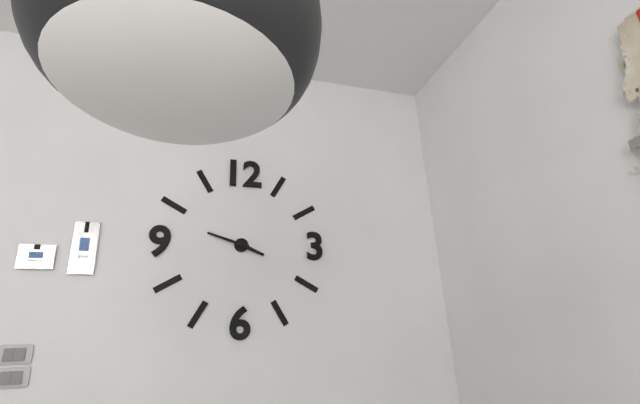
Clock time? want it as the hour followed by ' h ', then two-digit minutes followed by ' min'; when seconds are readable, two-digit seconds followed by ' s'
3 h 48 min
